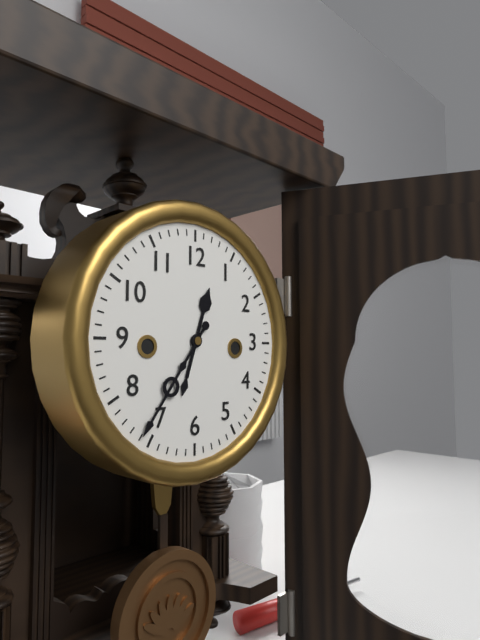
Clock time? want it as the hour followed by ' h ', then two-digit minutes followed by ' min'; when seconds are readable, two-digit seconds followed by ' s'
12 h 36 min
